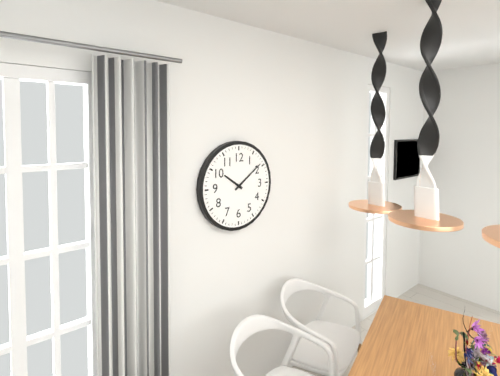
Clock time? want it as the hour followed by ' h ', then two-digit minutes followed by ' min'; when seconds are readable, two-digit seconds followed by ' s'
10 h 09 min
